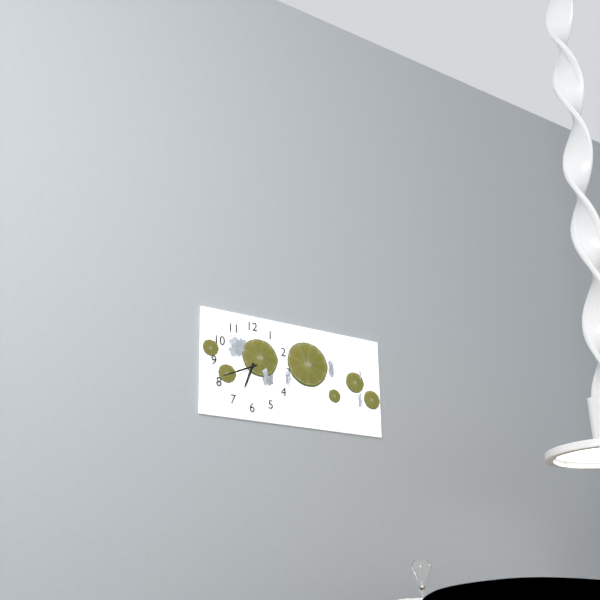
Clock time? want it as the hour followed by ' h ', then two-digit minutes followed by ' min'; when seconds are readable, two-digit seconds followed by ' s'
6 h 41 min
